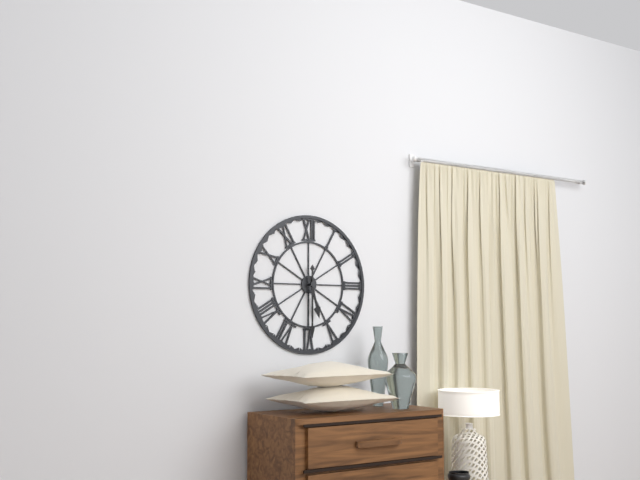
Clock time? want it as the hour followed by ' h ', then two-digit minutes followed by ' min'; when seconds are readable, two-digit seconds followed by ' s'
5 h 30 min
